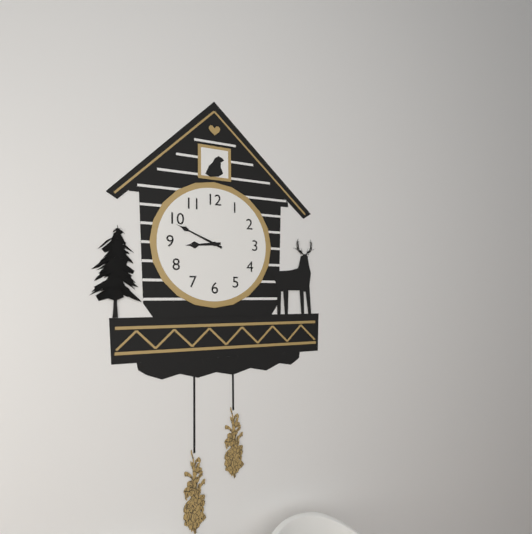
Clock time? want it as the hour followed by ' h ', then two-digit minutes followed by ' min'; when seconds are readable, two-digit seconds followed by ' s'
8 h 49 min
